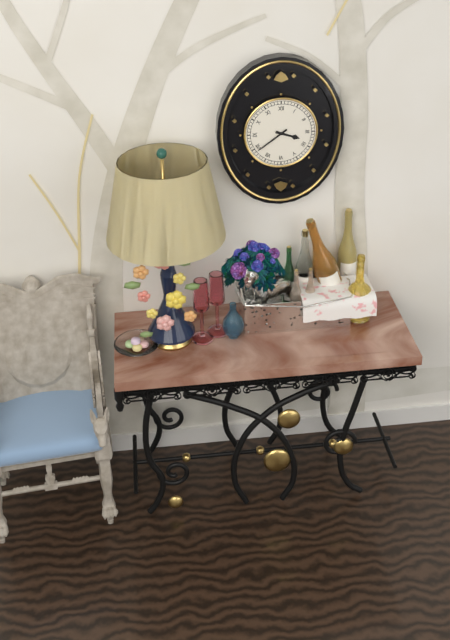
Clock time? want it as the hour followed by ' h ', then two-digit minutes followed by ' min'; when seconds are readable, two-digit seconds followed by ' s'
3 h 39 min
